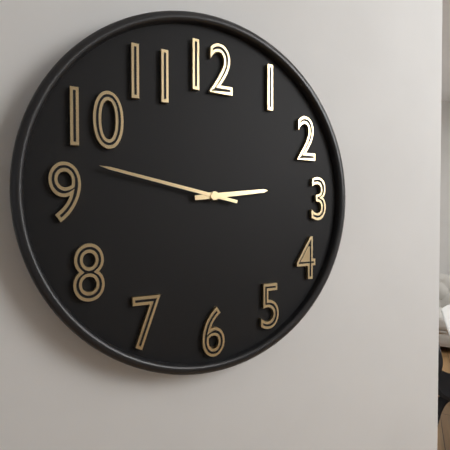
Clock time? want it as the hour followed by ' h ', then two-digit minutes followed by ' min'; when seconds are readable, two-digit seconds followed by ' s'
2 h 47 min
